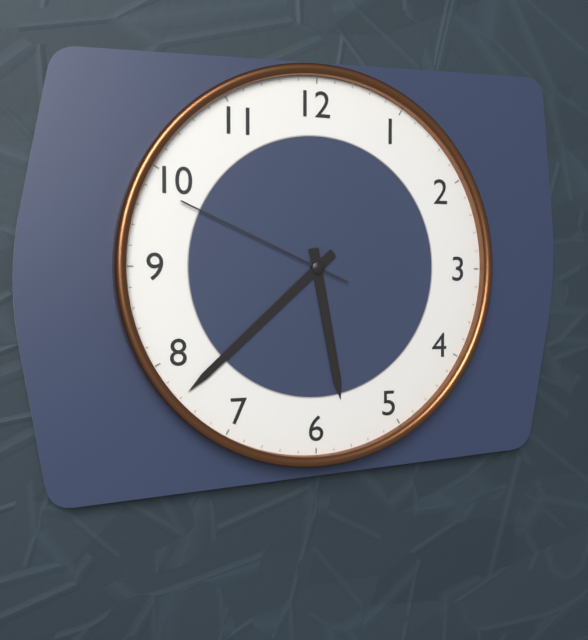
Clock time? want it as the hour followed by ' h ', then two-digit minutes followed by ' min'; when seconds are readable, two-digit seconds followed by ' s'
5 h 38 min 49 s
